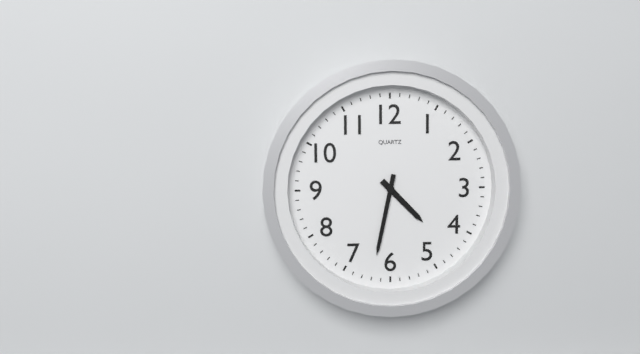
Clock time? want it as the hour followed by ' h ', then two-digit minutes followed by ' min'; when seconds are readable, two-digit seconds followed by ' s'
4 h 32 min
